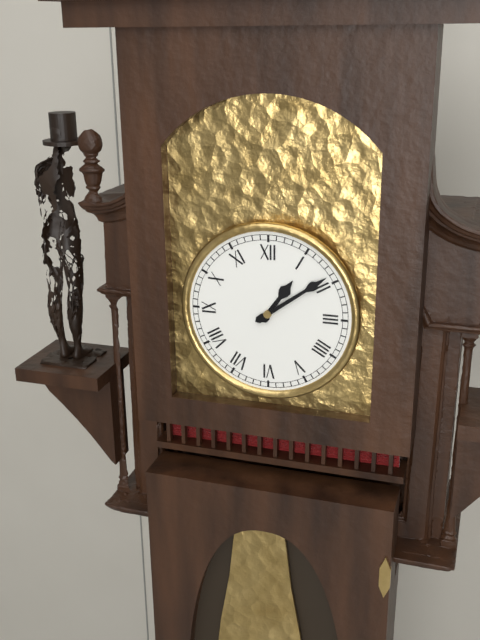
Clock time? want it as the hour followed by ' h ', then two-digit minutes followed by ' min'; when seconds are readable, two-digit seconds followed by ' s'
1 h 09 min
